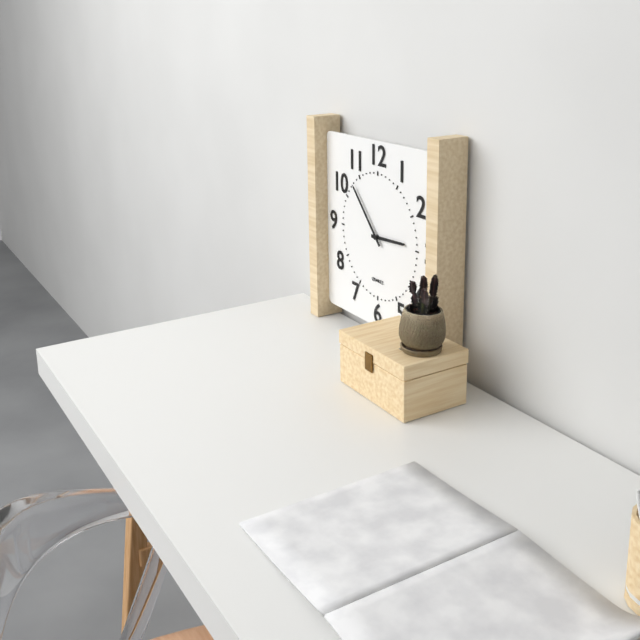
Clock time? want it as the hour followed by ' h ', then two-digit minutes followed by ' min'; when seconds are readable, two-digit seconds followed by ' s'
2 h 53 min
